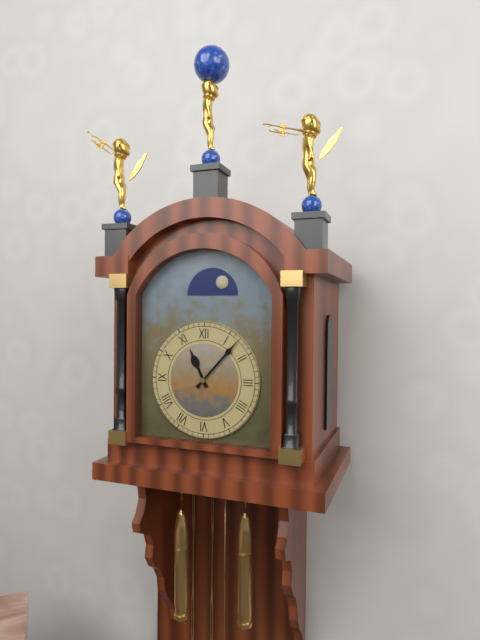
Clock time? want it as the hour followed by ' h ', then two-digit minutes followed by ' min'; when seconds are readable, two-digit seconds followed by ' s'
11 h 07 min
